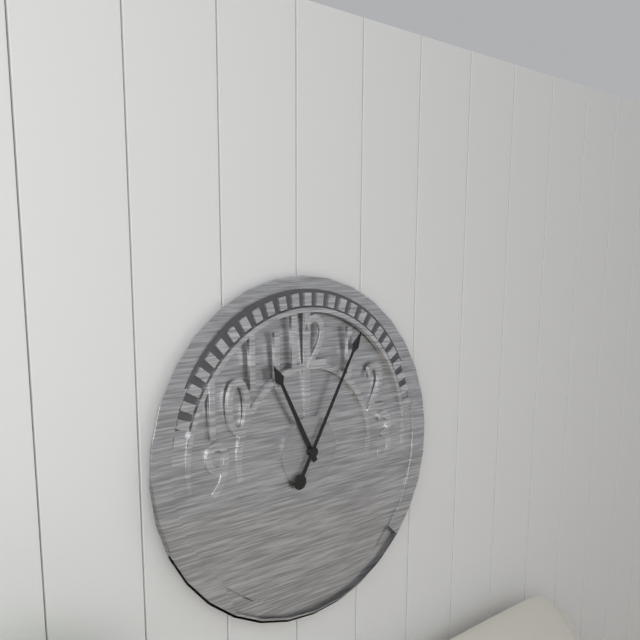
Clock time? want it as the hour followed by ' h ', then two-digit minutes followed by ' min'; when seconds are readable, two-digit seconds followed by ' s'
11 h 05 min
